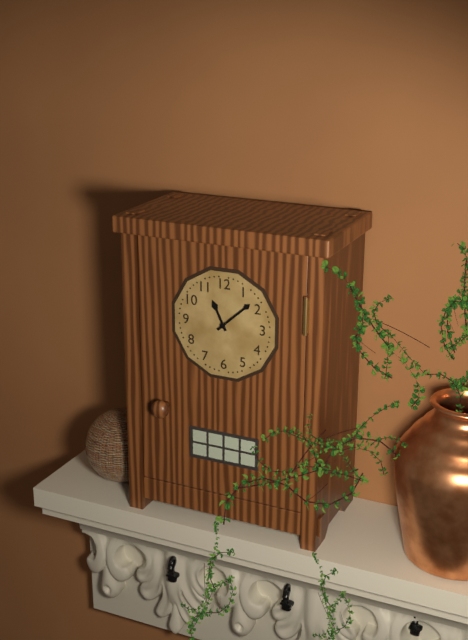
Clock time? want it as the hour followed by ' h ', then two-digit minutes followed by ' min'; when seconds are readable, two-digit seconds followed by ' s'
11 h 08 min
